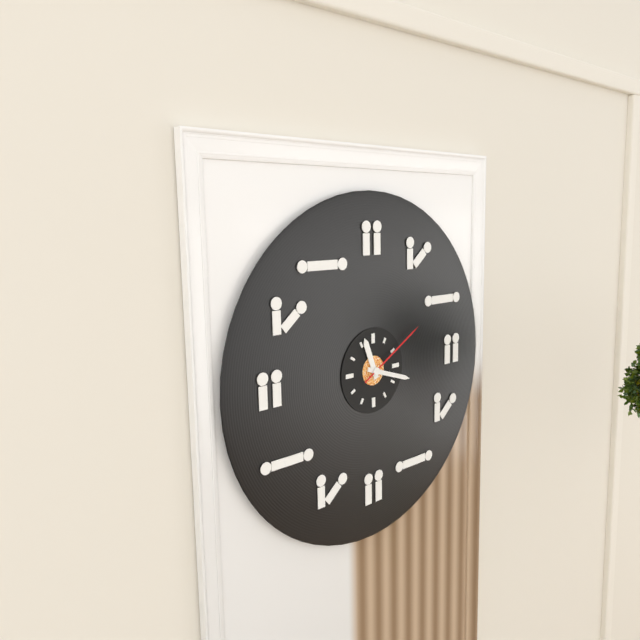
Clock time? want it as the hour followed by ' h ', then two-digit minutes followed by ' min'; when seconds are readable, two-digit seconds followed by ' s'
11 h 18 min 10 s
